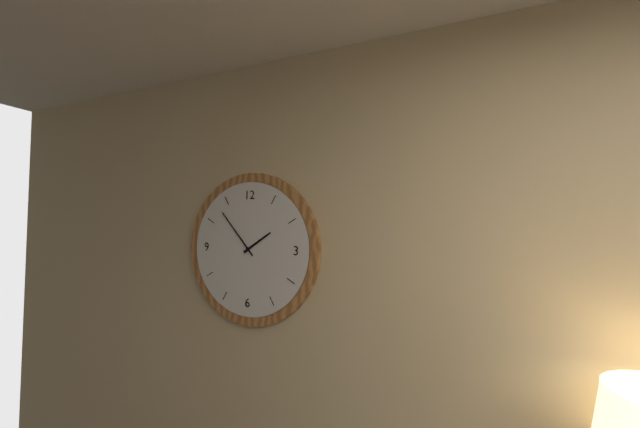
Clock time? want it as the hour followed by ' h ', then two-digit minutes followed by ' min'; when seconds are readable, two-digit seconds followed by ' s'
1 h 53 min
